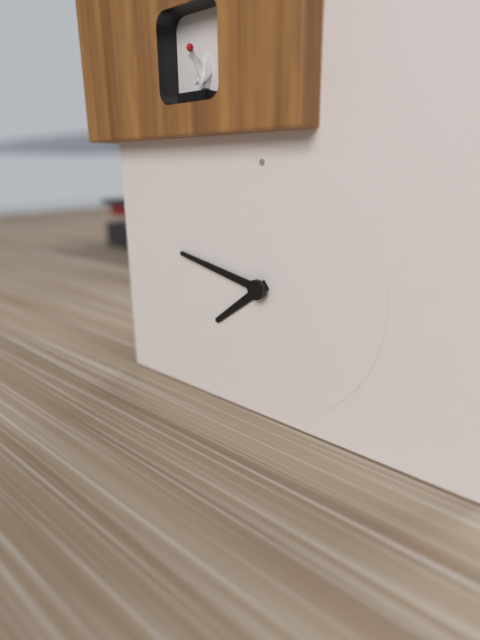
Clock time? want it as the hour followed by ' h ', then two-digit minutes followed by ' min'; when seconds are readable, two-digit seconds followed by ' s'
7 h 47 min
